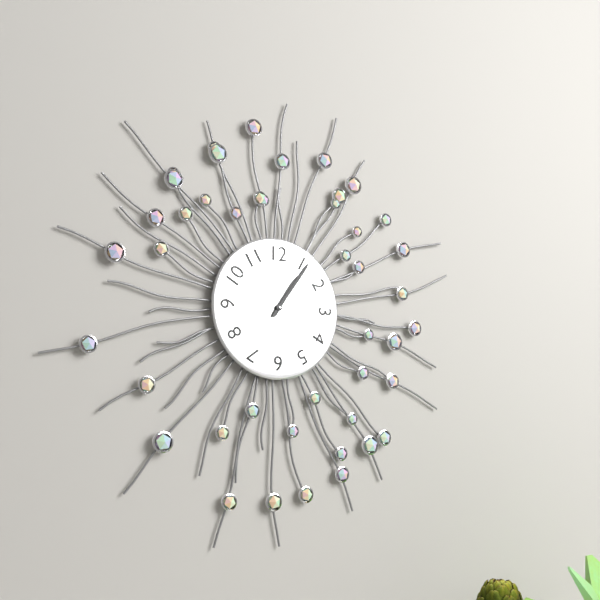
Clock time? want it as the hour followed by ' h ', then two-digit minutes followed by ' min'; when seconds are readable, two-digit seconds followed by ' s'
1 h 06 min
